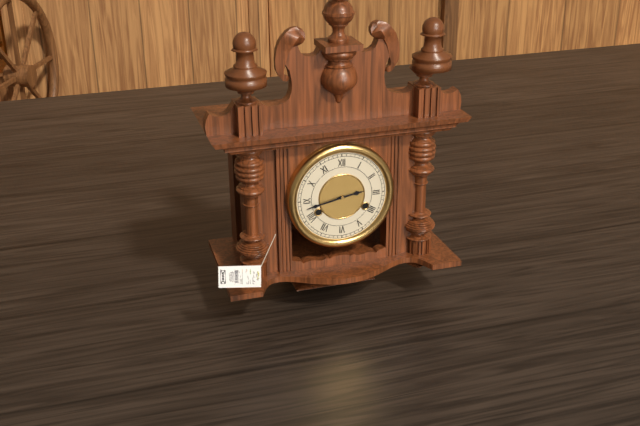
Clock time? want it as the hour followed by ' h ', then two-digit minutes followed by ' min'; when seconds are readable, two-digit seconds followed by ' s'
2 h 43 min
